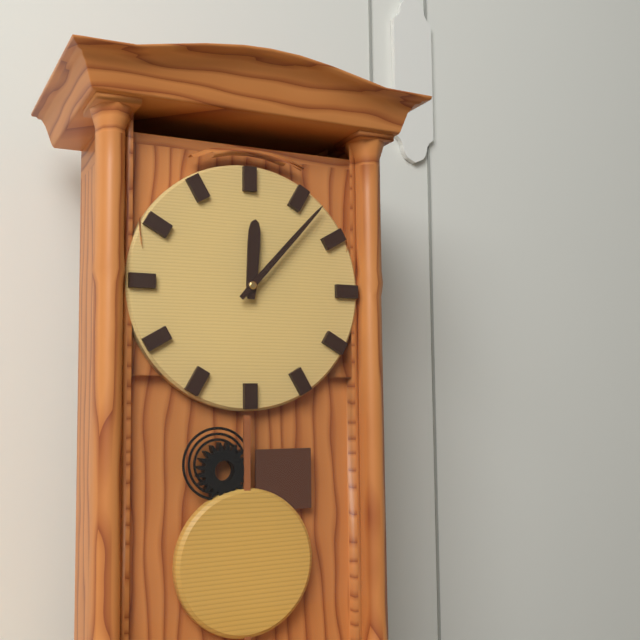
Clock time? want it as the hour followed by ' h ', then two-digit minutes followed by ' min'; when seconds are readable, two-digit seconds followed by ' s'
12 h 07 min
